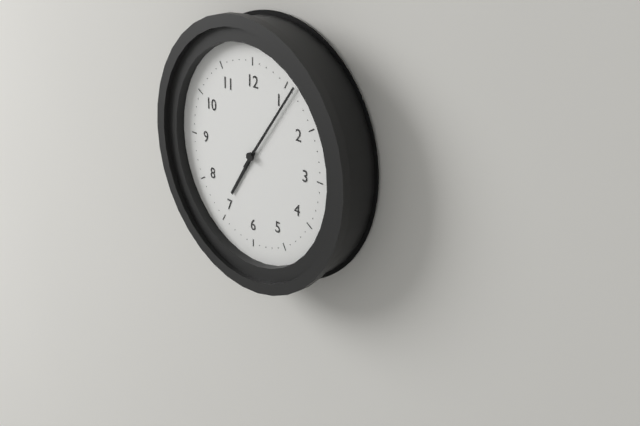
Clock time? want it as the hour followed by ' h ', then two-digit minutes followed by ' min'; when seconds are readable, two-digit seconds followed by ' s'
7 h 06 min
